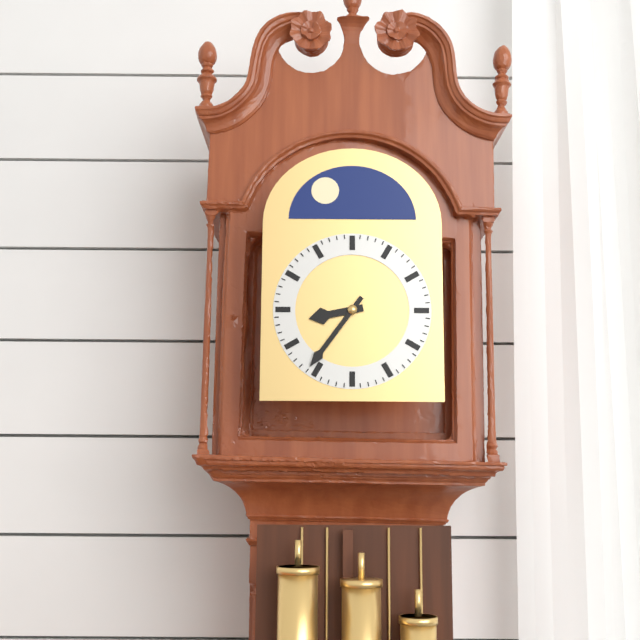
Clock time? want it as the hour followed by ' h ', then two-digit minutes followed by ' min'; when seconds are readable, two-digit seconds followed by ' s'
8 h 36 min
